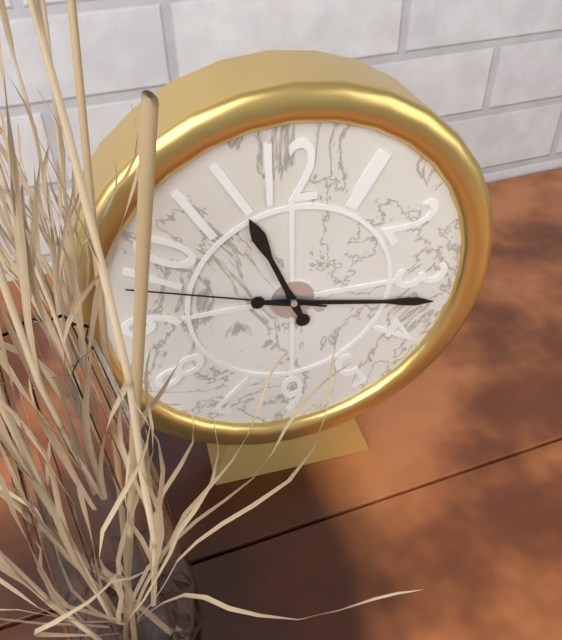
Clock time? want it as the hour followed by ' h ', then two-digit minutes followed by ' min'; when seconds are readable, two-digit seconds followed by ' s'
11 h 17 min 48 s
